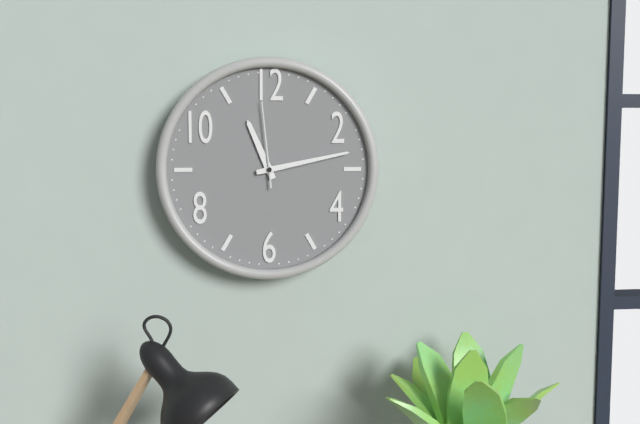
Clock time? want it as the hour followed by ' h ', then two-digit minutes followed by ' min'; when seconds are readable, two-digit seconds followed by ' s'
11 h 13 min 59 s
